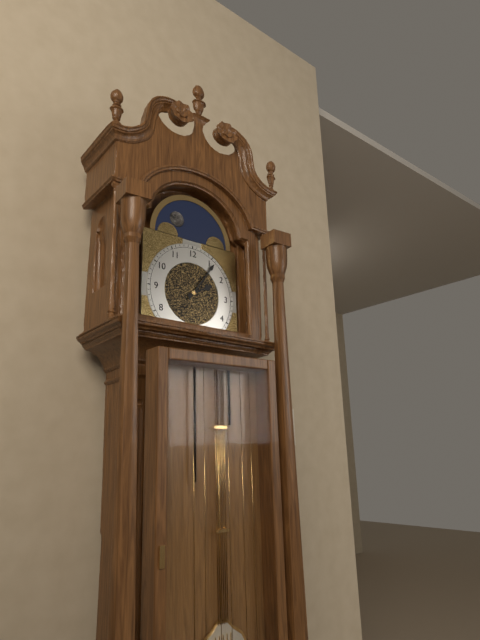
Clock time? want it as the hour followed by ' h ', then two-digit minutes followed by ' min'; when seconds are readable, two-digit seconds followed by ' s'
2 h 06 min
